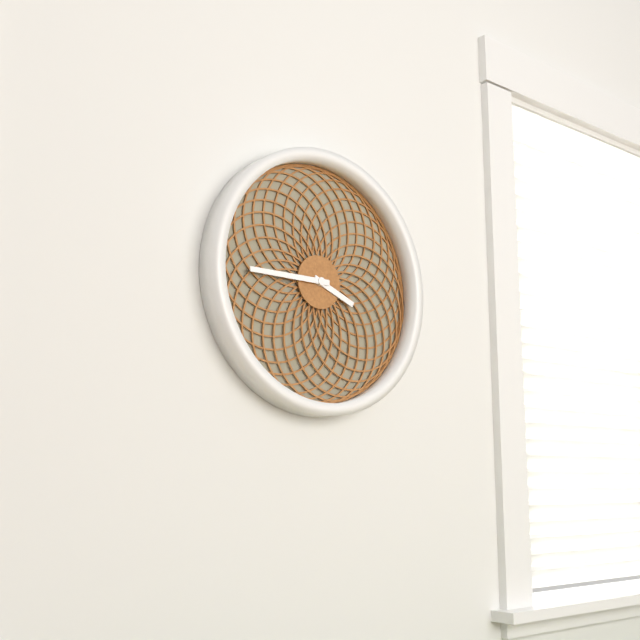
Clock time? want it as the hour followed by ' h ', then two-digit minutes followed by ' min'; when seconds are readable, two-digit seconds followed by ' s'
3 h 45 min
